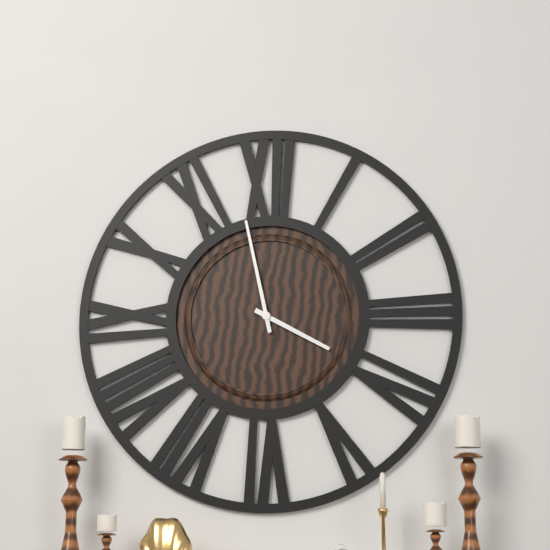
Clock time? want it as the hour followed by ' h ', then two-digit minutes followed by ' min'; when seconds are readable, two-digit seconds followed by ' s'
3 h 58 min
